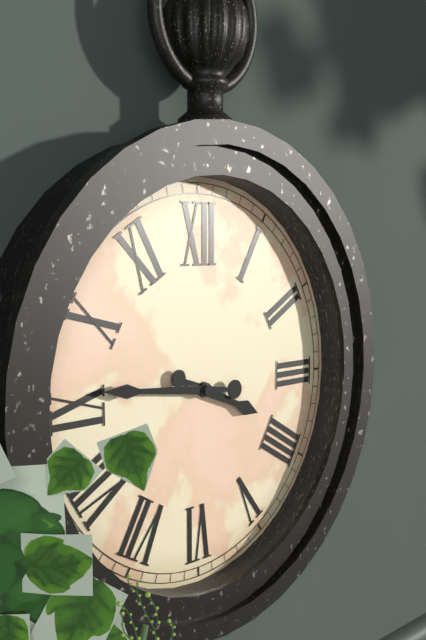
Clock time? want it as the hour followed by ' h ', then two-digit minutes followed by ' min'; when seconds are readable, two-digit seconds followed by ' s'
3 h 46 min
